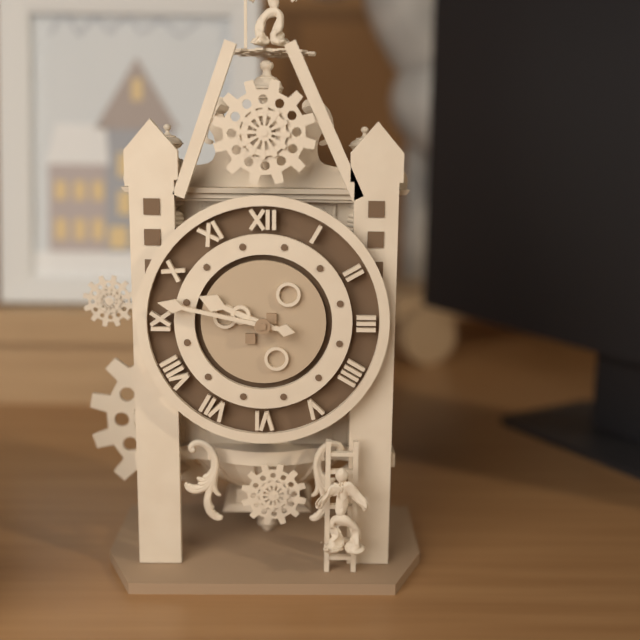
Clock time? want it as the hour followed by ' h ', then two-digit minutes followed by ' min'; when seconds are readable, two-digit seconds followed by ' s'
9 h 47 min
